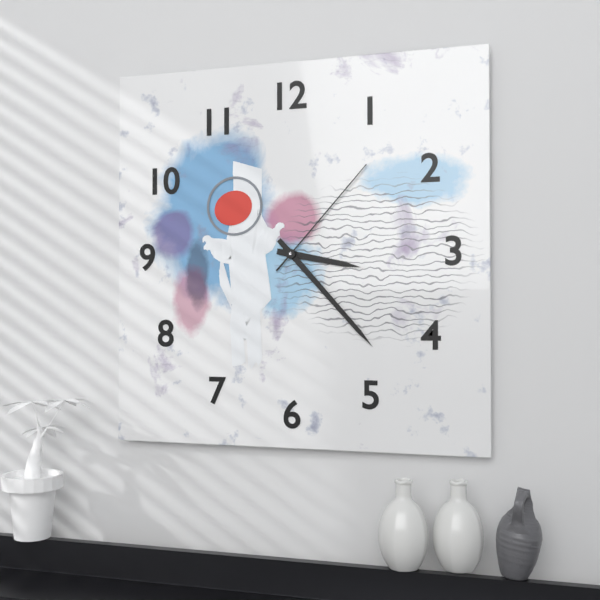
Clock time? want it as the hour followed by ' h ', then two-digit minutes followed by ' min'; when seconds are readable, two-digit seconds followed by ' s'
3 h 23 min 07 s
